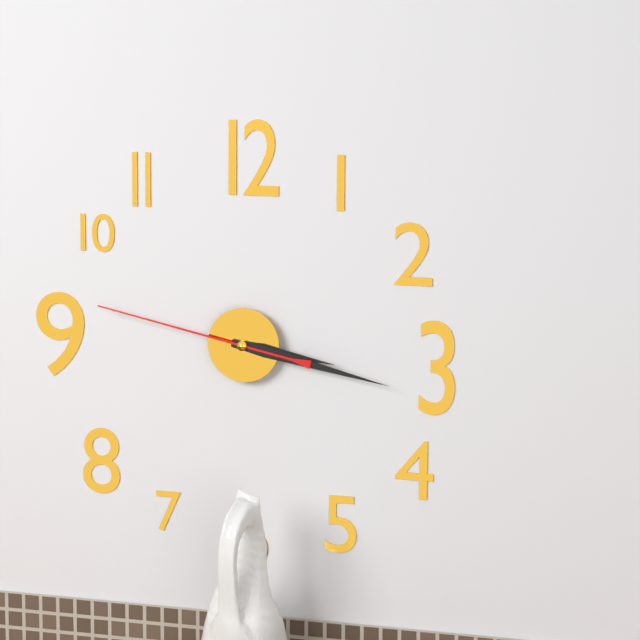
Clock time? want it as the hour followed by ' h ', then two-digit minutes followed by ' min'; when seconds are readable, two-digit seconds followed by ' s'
3 h 17 min 47 s
